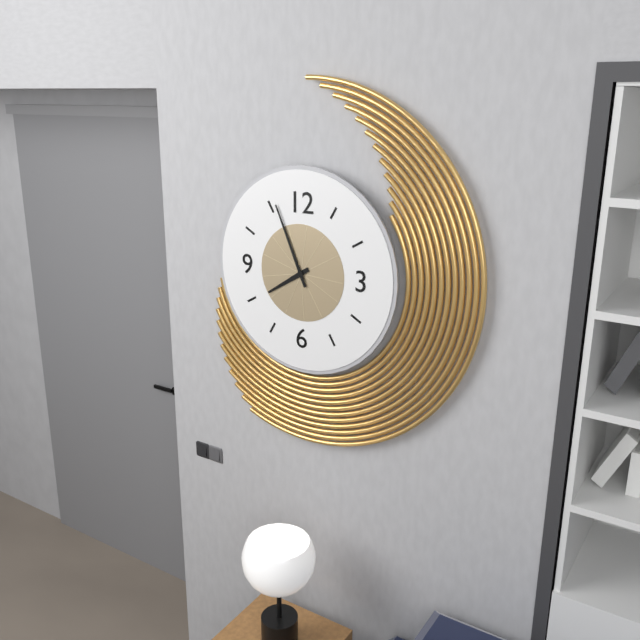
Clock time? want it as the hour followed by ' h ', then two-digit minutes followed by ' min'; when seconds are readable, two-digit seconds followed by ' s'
7 h 56 min
